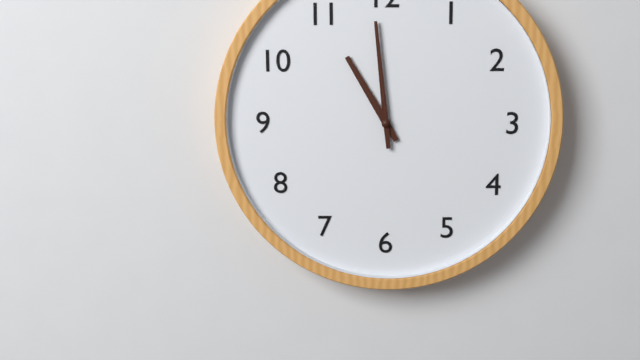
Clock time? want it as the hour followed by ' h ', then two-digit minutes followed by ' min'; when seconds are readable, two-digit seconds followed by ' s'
10 h 59 min
